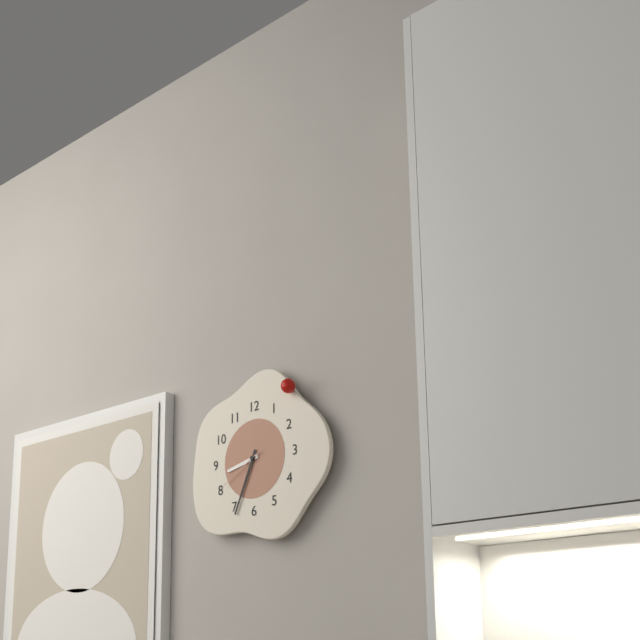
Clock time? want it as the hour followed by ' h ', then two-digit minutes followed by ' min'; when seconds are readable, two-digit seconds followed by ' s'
8 h 34 min 40 s
